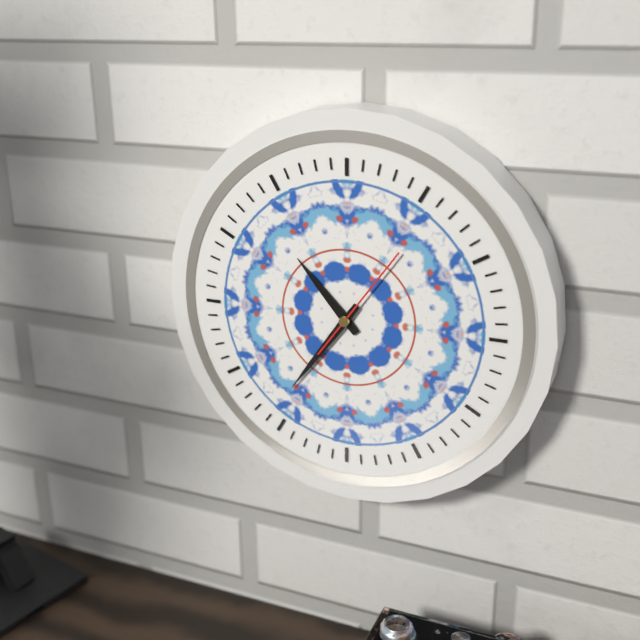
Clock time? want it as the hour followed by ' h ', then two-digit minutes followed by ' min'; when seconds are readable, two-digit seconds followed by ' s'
10 h 36 min 06 s
